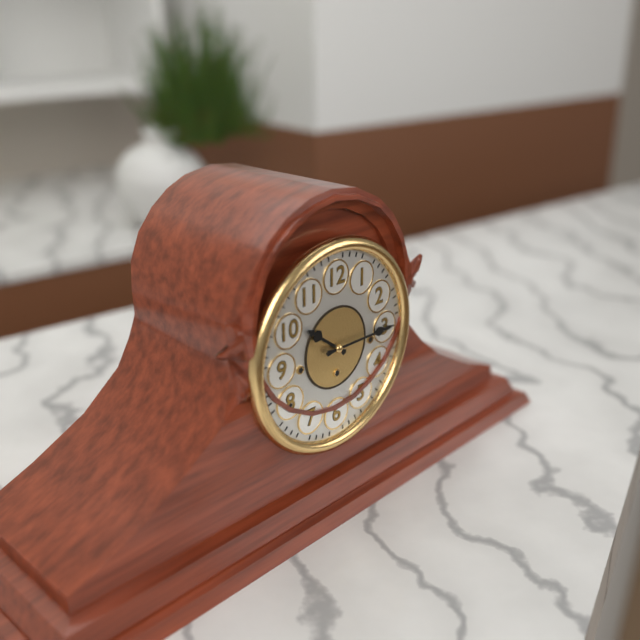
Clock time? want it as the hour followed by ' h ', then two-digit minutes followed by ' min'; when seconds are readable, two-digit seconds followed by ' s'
10 h 15 min
